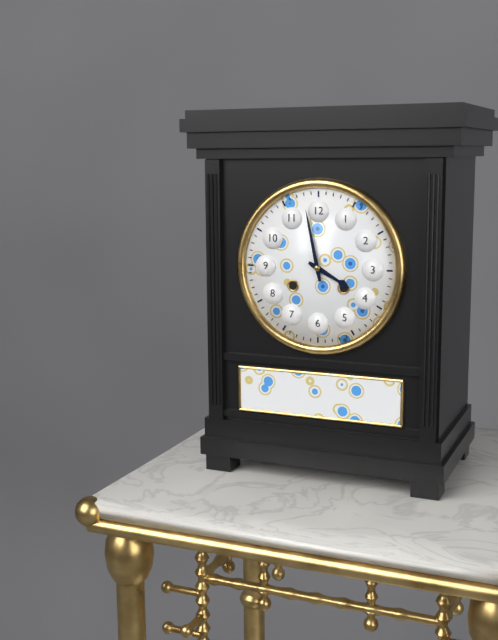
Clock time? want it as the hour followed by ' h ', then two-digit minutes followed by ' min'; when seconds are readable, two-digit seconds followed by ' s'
3 h 58 min
